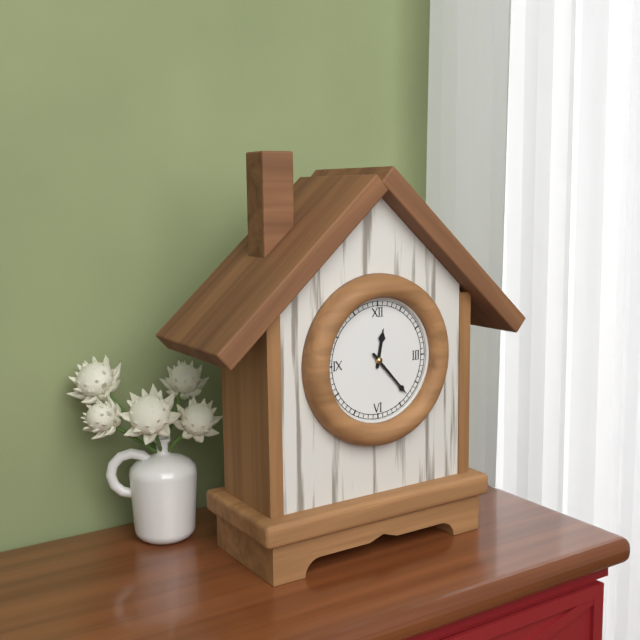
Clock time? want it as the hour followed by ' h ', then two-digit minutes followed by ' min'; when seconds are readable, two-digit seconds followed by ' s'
12 h 23 min
